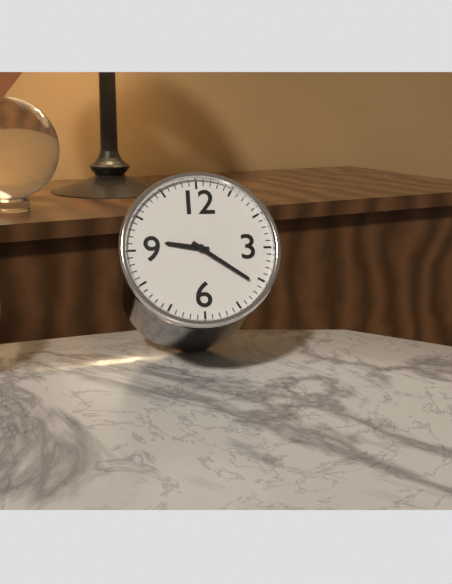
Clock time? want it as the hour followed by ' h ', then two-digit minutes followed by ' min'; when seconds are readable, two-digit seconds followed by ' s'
9 h 21 min
